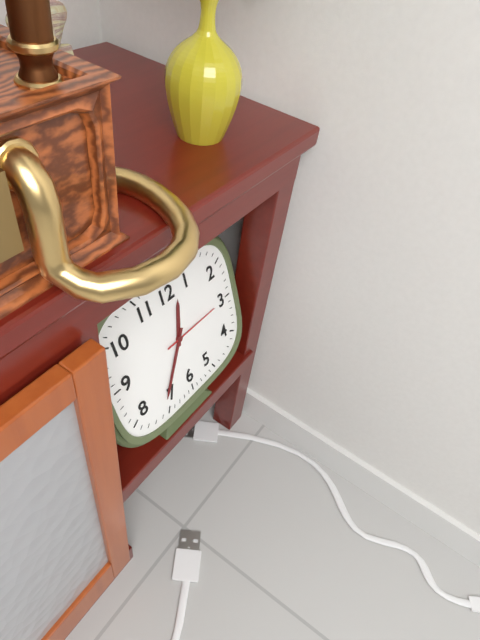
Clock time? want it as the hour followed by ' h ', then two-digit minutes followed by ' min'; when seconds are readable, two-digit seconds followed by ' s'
12 h 36 min 15 s
